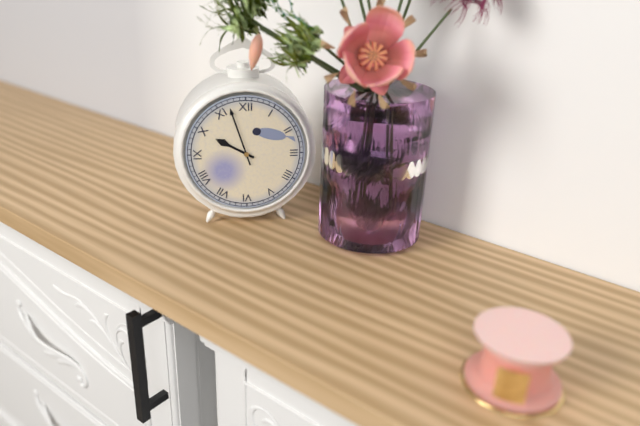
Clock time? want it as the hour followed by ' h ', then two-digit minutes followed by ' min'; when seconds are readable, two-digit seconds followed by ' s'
9 h 57 min
